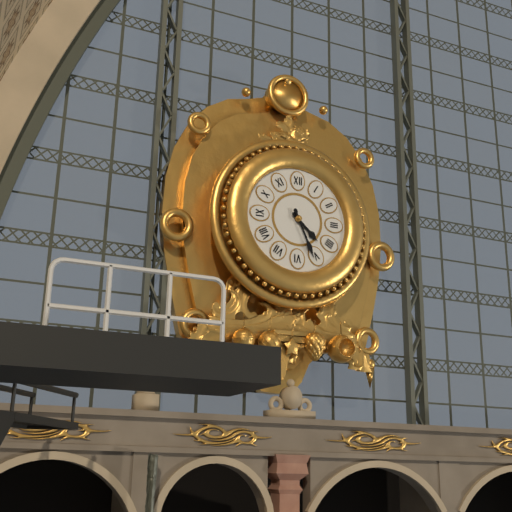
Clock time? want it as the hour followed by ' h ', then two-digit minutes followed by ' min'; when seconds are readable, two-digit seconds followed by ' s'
4 h 26 min
